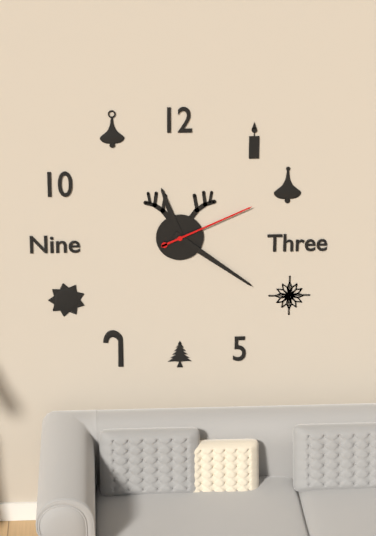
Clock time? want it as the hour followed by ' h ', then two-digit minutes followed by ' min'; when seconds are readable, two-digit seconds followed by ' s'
11 h 21 min 11 s
